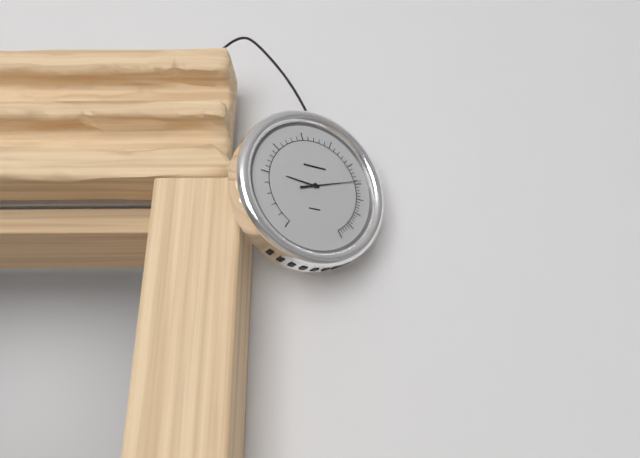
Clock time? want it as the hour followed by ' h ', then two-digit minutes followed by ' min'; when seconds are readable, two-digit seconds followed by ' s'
9 h 12 min
